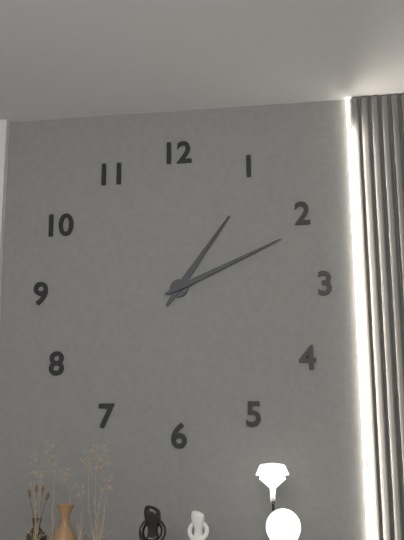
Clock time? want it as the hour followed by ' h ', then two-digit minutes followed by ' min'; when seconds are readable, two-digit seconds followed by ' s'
1 h 11 min
